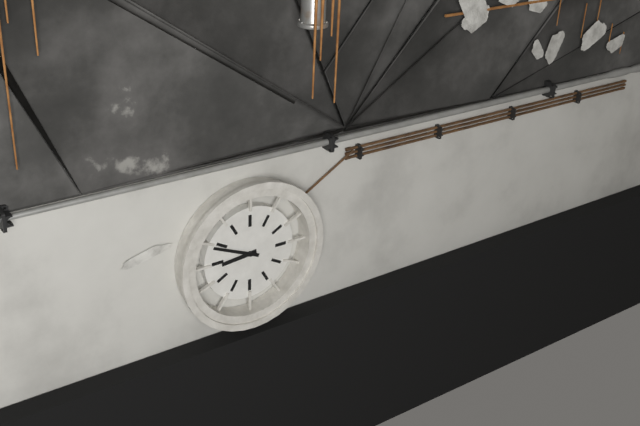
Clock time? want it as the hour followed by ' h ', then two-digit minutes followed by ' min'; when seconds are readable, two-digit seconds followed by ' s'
8 h 49 min
